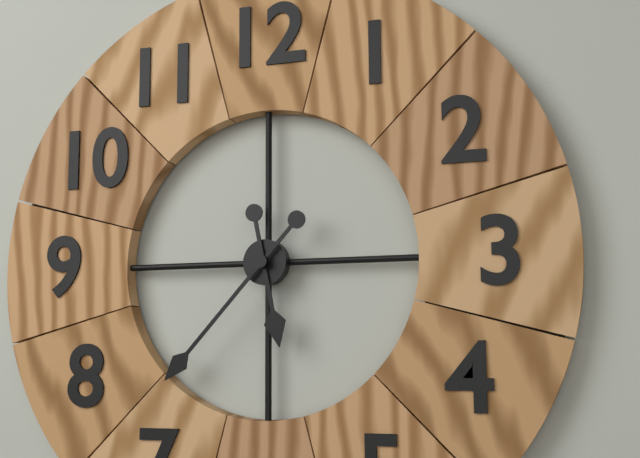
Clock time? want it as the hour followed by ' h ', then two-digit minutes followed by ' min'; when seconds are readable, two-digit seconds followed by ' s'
5 h 37 min
